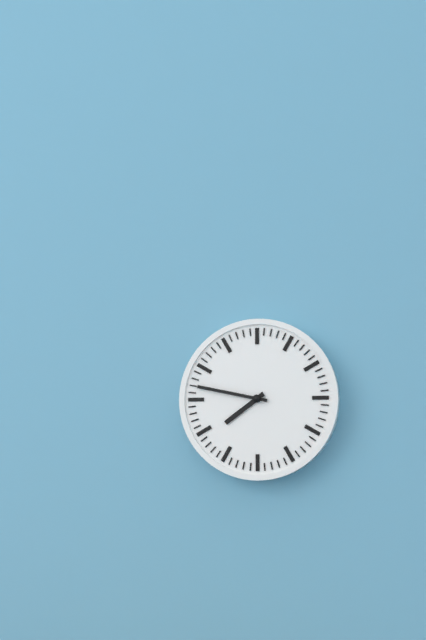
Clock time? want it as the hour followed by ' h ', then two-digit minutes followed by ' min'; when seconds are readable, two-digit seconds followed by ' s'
7 h 47 min
